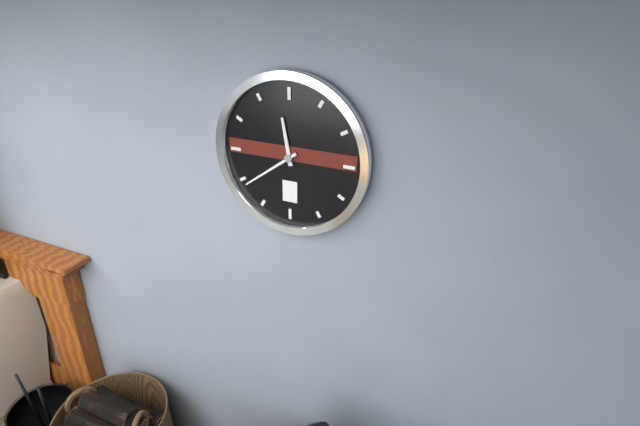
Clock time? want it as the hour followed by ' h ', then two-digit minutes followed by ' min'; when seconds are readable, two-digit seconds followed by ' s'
11 h 39 min
